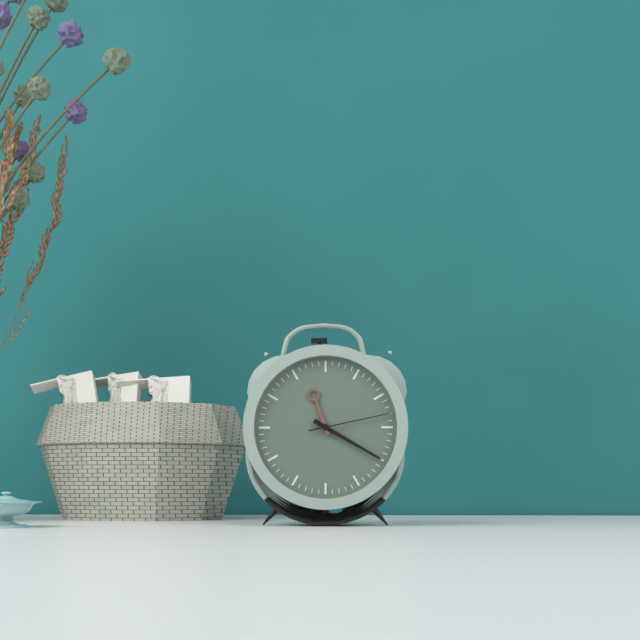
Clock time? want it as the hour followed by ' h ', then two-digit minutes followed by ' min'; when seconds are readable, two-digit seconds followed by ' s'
11 h 20 min 13 s
